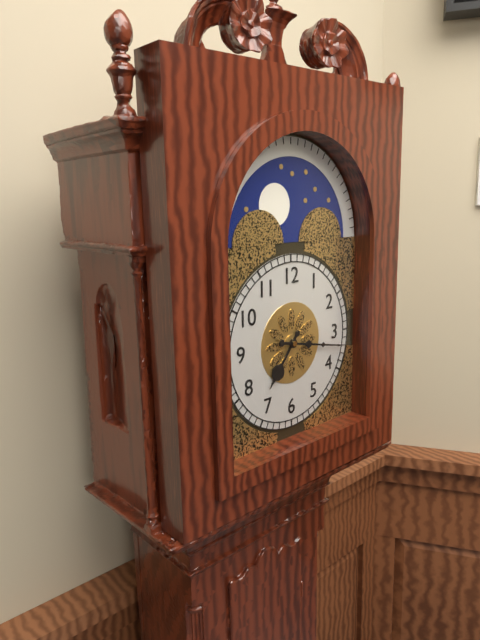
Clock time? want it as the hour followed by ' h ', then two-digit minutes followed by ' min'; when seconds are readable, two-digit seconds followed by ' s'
7 h 17 min
